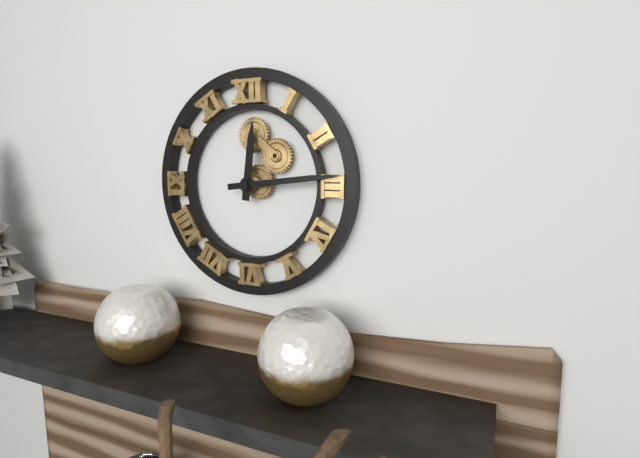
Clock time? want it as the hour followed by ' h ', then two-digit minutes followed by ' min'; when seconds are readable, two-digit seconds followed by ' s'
12 h 14 min
